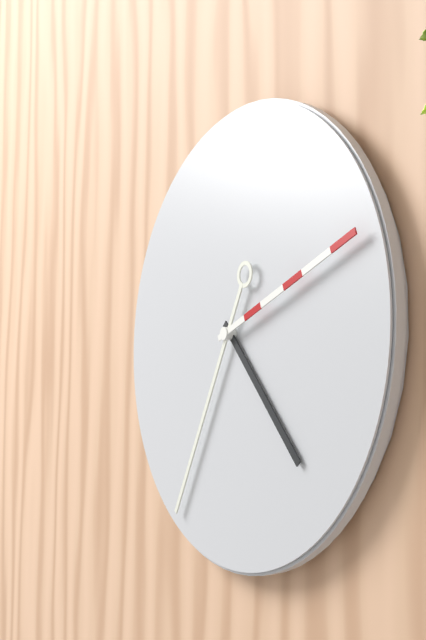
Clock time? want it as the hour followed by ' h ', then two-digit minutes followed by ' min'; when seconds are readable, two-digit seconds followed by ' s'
4 h 35 min 12 s
